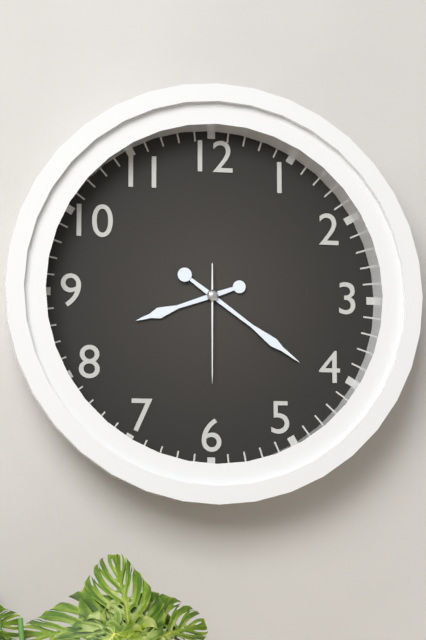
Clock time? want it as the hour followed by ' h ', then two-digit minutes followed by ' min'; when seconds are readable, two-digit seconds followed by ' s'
8 h 21 min 30 s
